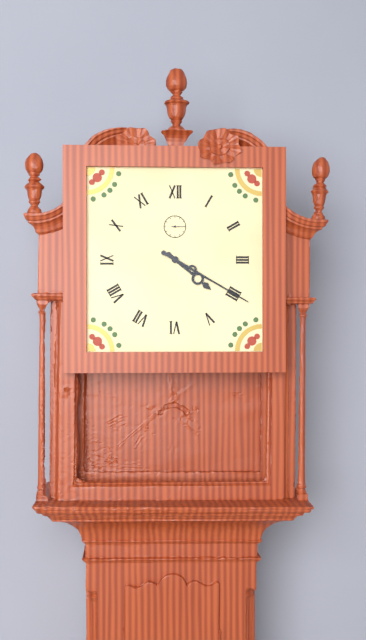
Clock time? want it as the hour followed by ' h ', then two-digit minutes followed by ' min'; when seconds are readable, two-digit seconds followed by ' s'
4 h 20 min
